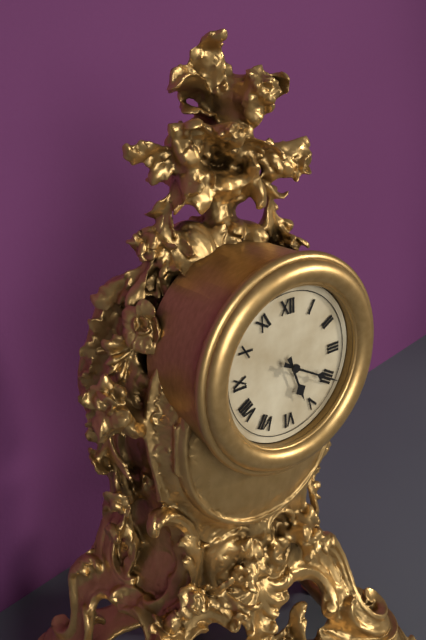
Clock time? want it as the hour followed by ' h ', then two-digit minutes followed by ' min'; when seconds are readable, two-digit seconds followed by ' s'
5 h 20 min
